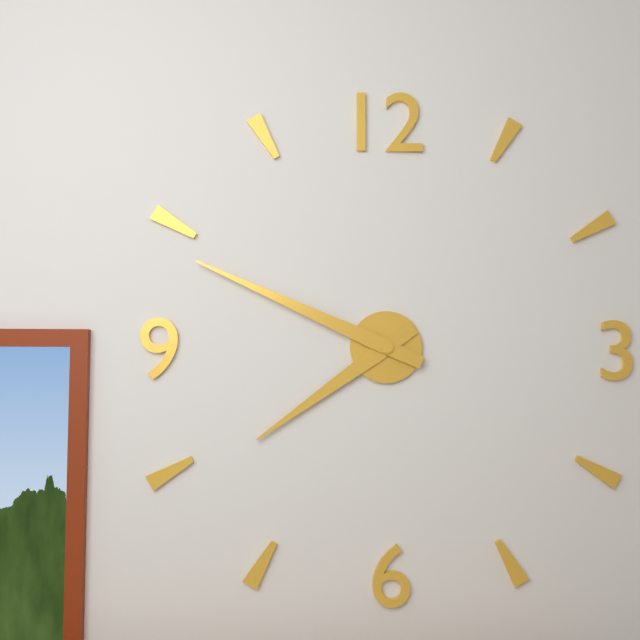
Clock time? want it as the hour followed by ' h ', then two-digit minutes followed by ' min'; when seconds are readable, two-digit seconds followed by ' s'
7 h 49 min
